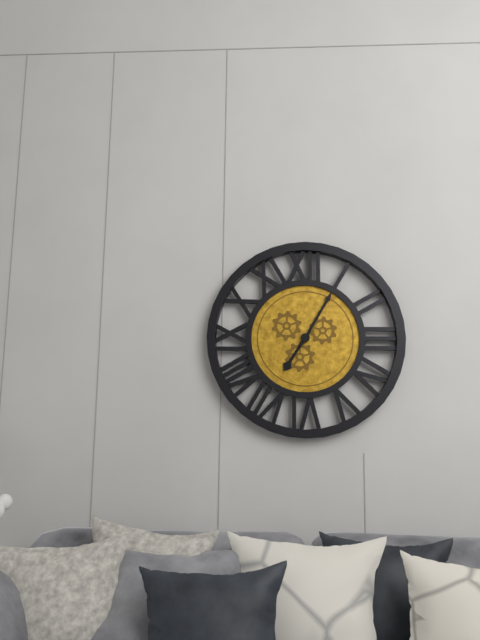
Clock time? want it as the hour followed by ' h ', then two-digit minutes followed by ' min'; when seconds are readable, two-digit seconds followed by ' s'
7 h 05 min
